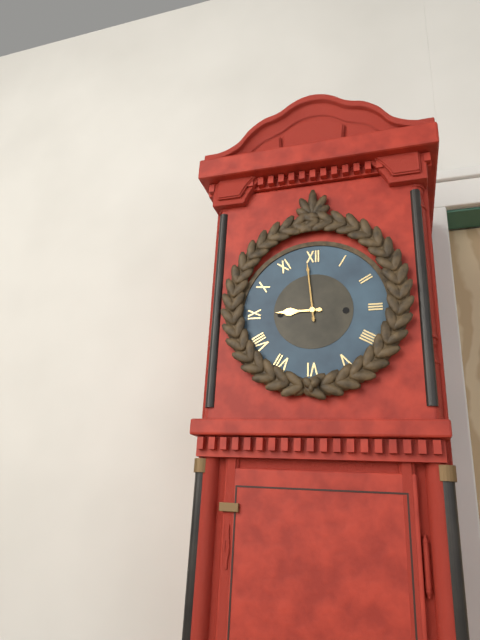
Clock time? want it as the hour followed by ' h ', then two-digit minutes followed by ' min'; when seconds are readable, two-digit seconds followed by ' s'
8 h 59 min
